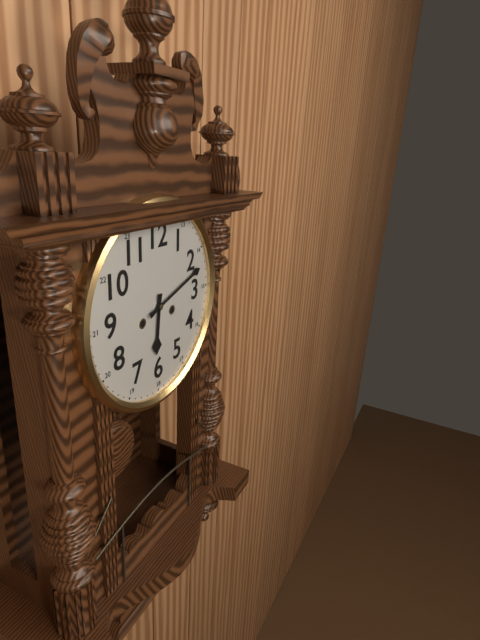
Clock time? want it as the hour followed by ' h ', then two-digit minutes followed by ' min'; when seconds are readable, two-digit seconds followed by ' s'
6 h 12 min
